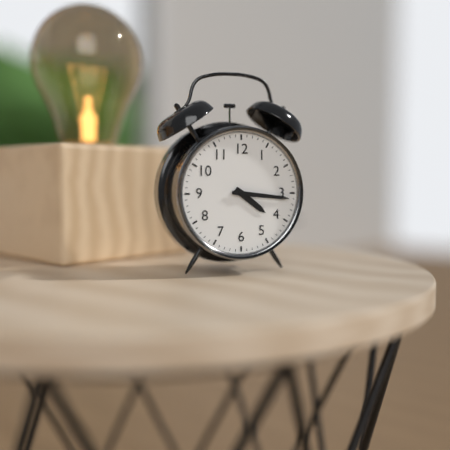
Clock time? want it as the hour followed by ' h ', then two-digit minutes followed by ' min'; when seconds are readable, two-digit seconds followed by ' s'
4 h 16 min
